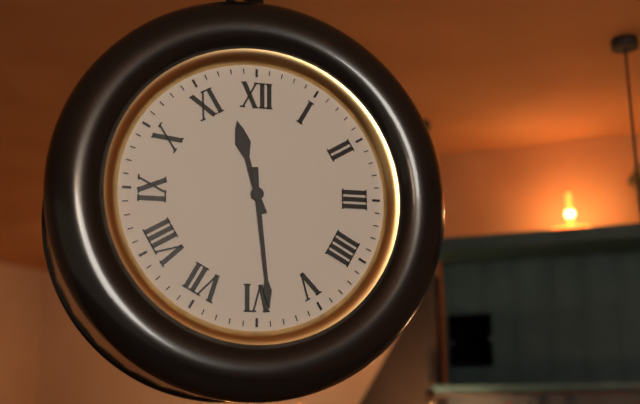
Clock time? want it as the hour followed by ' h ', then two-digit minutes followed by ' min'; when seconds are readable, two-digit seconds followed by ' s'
11 h 29 min
